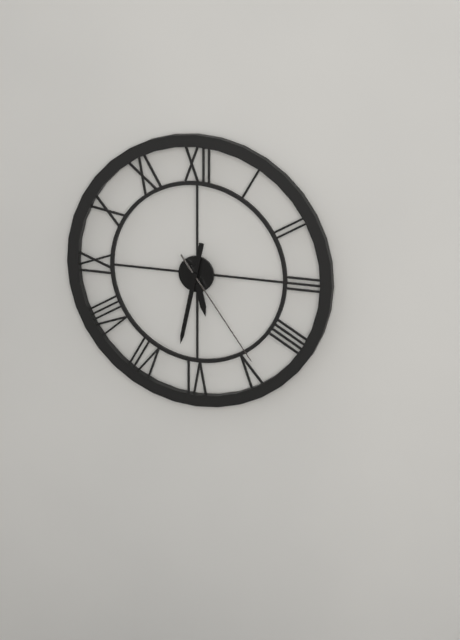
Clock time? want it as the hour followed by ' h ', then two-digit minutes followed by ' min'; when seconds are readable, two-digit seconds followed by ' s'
5 h 32 min 24 s
